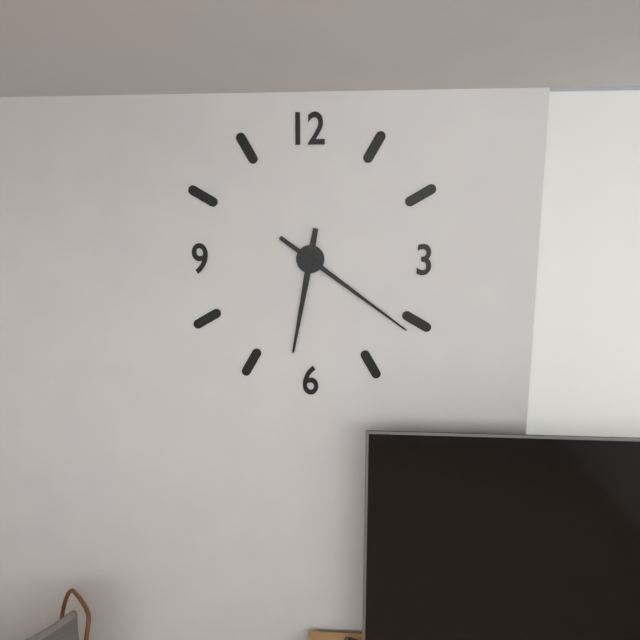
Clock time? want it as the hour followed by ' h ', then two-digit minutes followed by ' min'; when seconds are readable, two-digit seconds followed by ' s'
6 h 21 min
